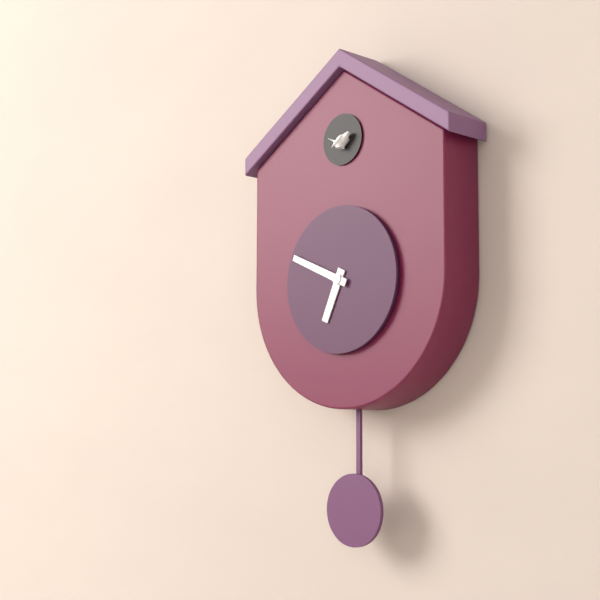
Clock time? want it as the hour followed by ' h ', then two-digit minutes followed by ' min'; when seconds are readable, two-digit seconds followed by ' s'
6 h 49 min
